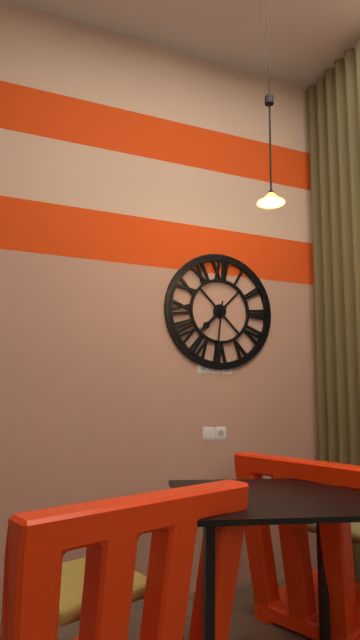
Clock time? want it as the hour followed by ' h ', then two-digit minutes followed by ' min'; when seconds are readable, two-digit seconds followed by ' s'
7 h 31 min
